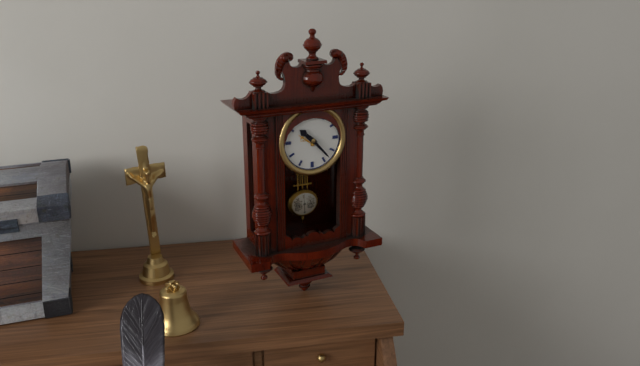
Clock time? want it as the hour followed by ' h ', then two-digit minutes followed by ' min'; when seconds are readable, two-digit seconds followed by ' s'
10 h 23 min
